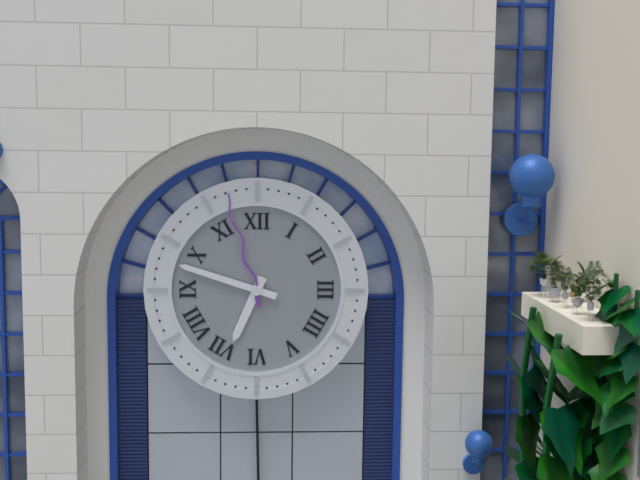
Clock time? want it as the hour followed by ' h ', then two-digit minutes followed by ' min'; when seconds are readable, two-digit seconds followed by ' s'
6 h 48 min 57 s
